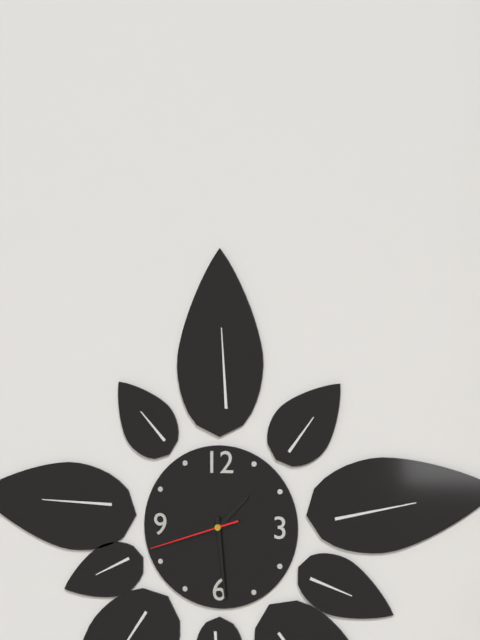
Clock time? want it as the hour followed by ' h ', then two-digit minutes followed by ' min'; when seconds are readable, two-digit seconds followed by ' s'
1 h 29 min 42 s
